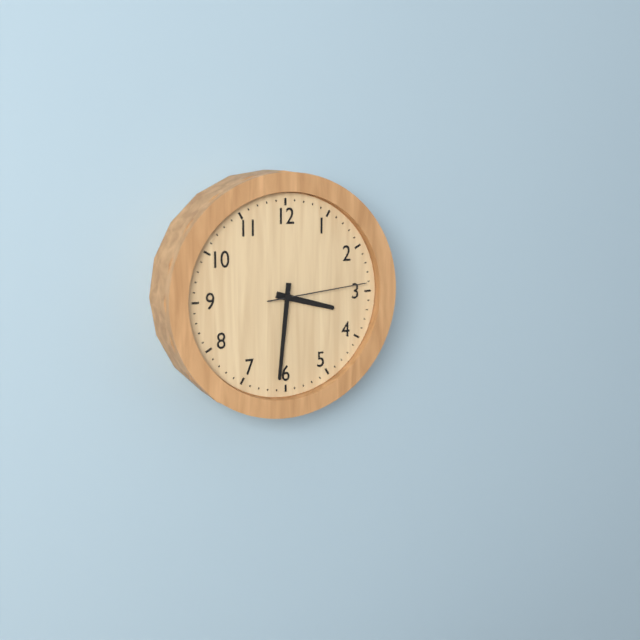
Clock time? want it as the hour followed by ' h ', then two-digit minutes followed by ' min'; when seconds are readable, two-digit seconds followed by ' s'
3 h 31 min 14 s
